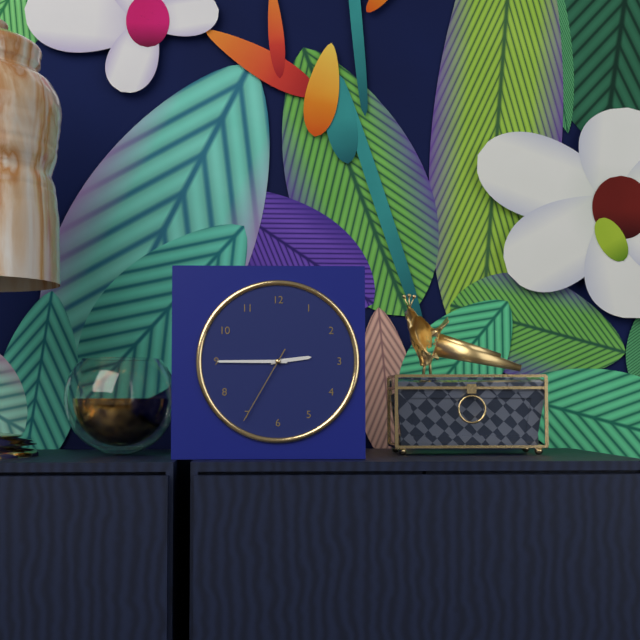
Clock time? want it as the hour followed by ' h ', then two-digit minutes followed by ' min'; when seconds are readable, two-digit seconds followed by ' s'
2 h 45 min 35 s
